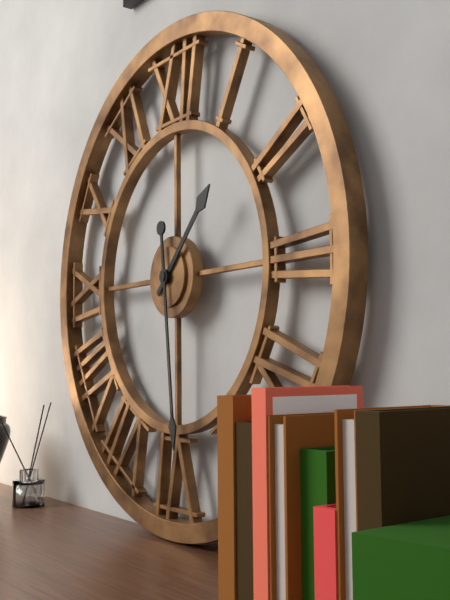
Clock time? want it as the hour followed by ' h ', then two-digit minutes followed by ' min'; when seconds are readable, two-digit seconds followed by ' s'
1 h 29 min
